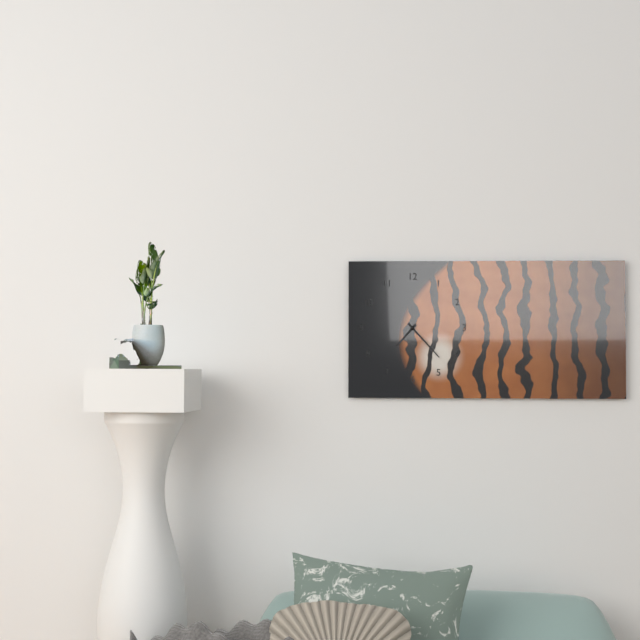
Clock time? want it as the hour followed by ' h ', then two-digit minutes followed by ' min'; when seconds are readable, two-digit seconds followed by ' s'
7 h 23 min
